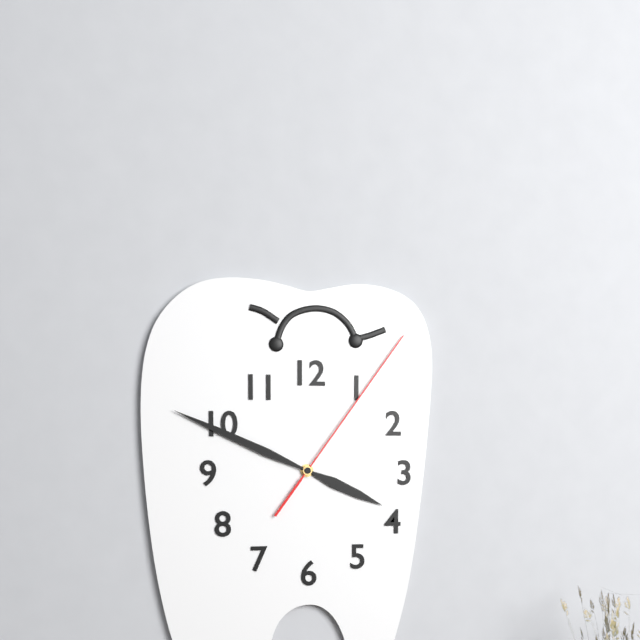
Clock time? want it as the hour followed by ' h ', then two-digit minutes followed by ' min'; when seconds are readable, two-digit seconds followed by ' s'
3 h 49 min 06 s
